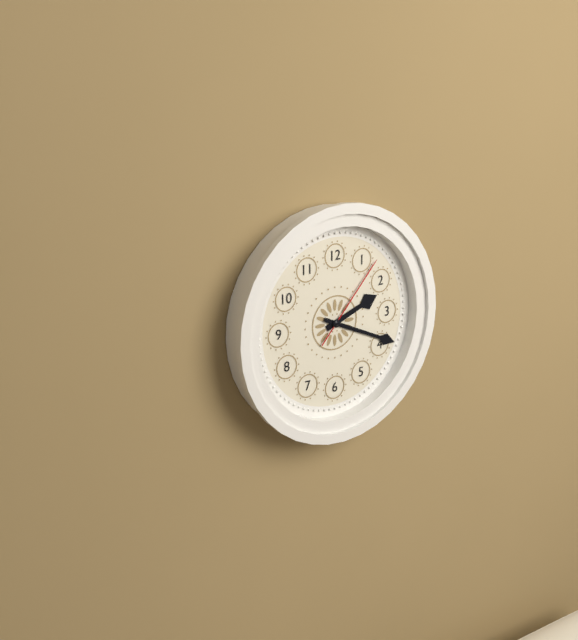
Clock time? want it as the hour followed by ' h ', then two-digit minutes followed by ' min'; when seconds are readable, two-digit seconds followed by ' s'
2 h 19 min 07 s
